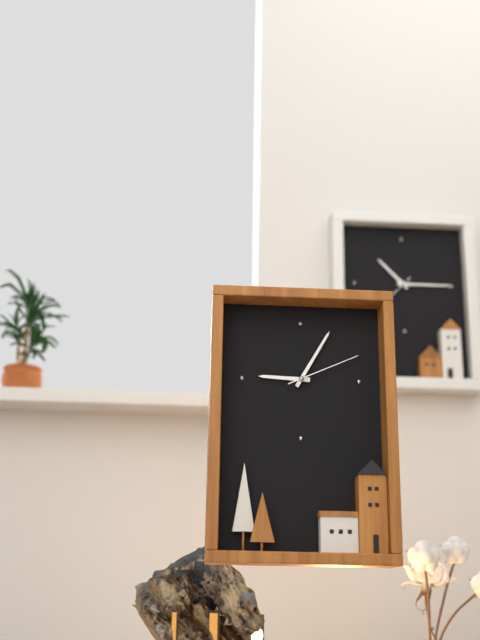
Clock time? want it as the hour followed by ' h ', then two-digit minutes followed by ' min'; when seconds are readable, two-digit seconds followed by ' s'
9 h 05 min 11 s
